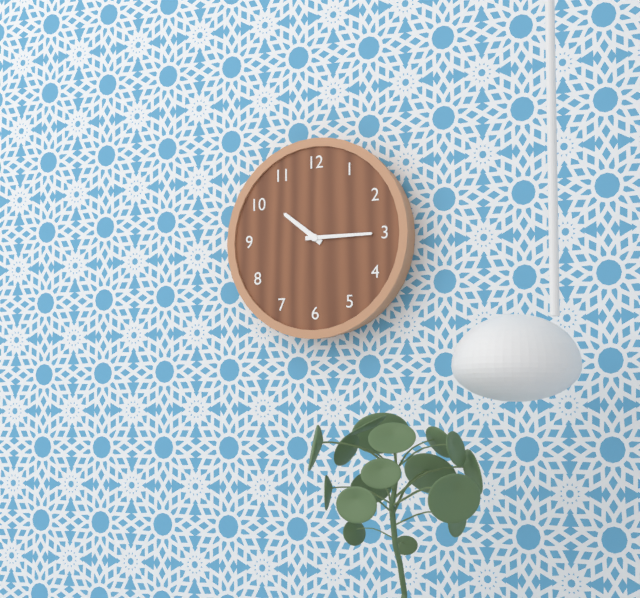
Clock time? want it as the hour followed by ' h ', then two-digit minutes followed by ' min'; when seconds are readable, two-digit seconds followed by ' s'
10 h 15 min
